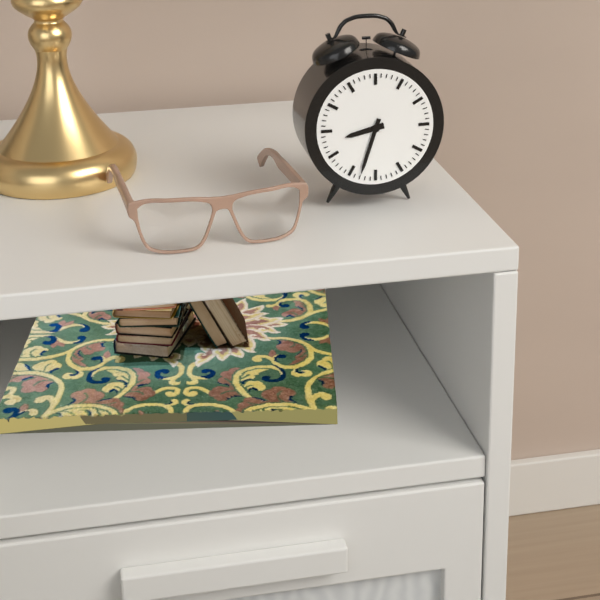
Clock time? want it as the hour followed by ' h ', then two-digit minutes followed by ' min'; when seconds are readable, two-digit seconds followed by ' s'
8 h 33 min
